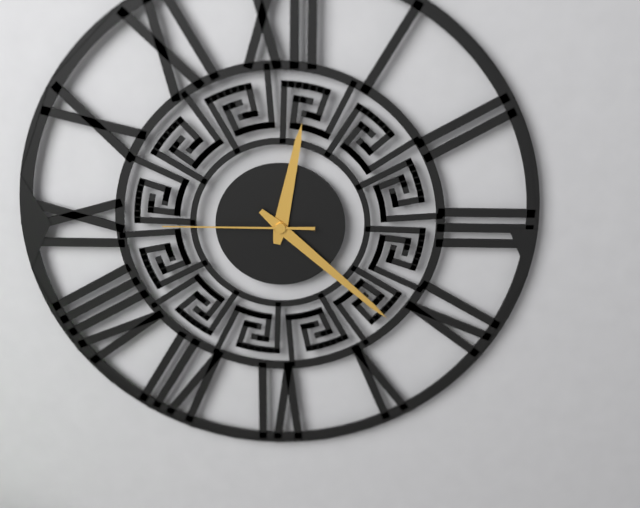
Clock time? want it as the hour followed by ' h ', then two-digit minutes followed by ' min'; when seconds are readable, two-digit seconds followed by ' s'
12 h 22 min 45 s
